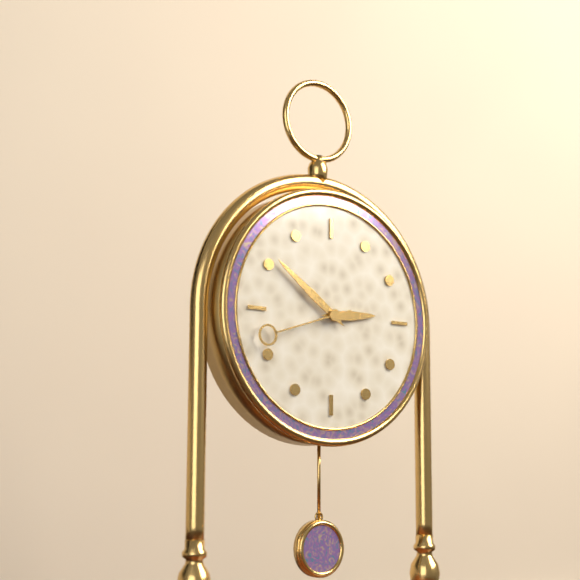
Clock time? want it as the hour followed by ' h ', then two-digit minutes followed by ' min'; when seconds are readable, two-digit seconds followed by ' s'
2 h 51 min 42 s
